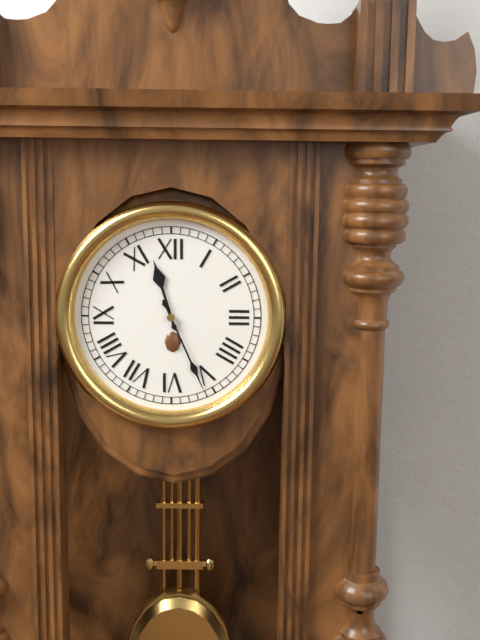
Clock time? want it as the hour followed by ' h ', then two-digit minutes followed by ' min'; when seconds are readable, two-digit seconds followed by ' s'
11 h 26 min
